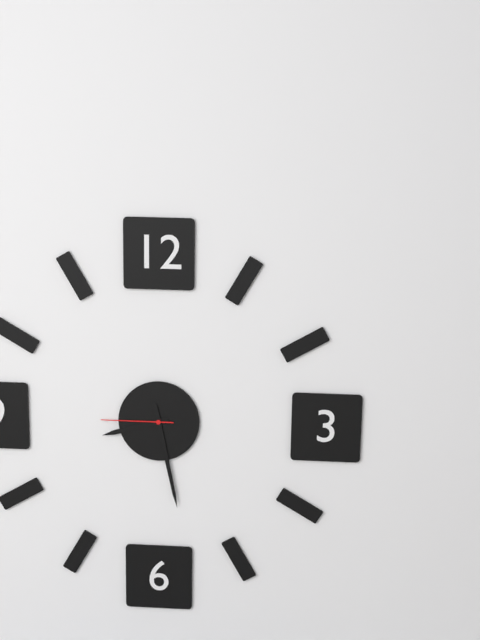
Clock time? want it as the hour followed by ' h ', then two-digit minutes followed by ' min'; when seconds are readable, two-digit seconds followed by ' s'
8 h 28 min 45 s
